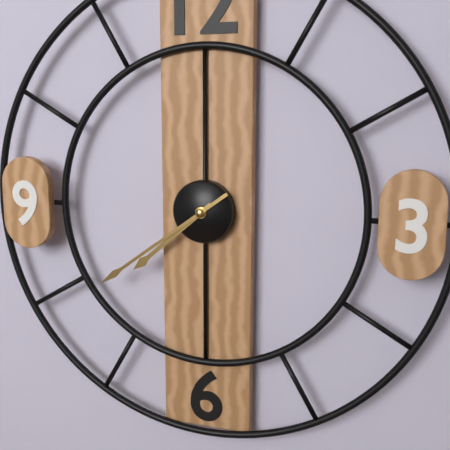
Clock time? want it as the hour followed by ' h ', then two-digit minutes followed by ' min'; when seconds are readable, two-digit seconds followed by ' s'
7 h 39 min
